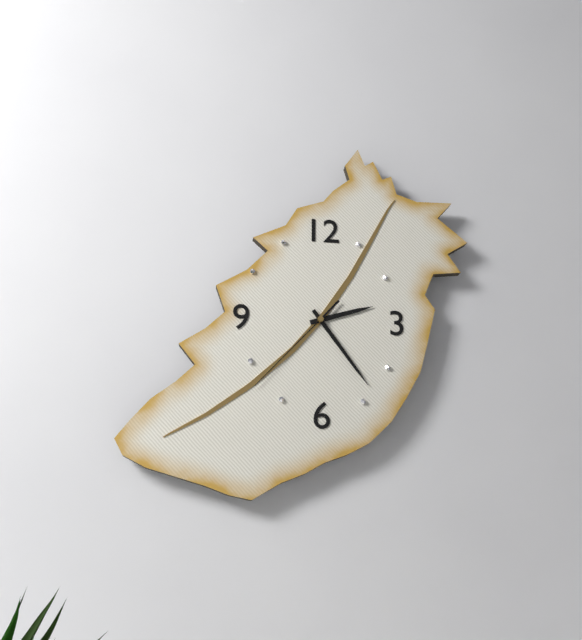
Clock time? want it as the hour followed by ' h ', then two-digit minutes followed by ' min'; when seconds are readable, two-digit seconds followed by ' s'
2 h 24 min 37 s
